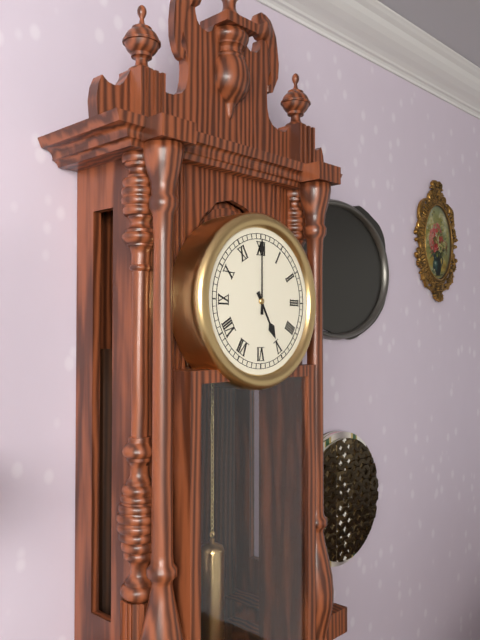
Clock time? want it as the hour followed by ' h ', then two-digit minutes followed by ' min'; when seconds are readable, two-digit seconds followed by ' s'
5 h 00 min
